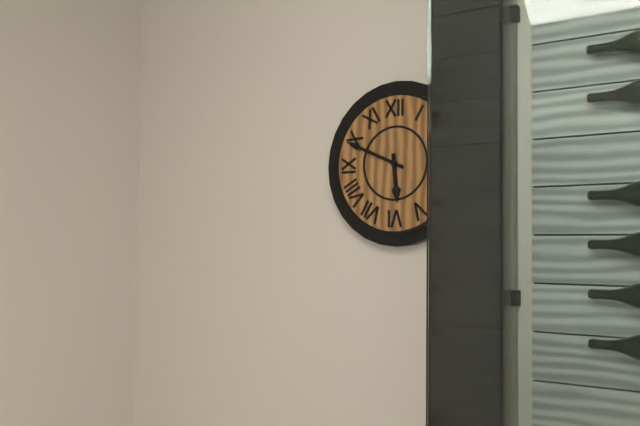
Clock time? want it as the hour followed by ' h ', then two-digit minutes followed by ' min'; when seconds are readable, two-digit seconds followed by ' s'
5 h 49 min
